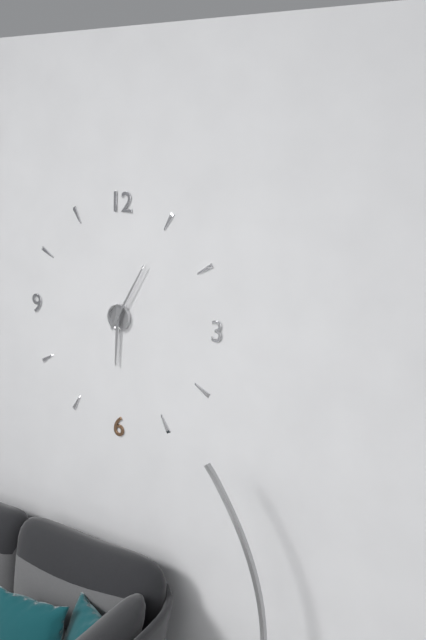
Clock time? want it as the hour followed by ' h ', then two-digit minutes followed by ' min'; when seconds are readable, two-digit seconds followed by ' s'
6 h 05 min
